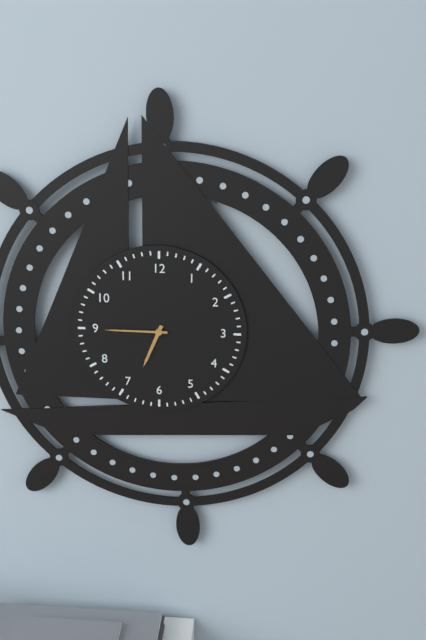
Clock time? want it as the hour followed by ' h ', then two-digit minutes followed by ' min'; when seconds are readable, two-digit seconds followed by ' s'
6 h 45 min
